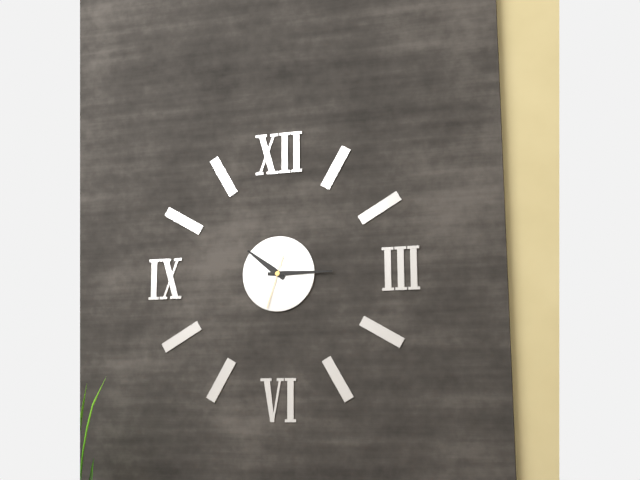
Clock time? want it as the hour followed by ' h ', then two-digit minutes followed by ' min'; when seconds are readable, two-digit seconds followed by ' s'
10 h 15 min
